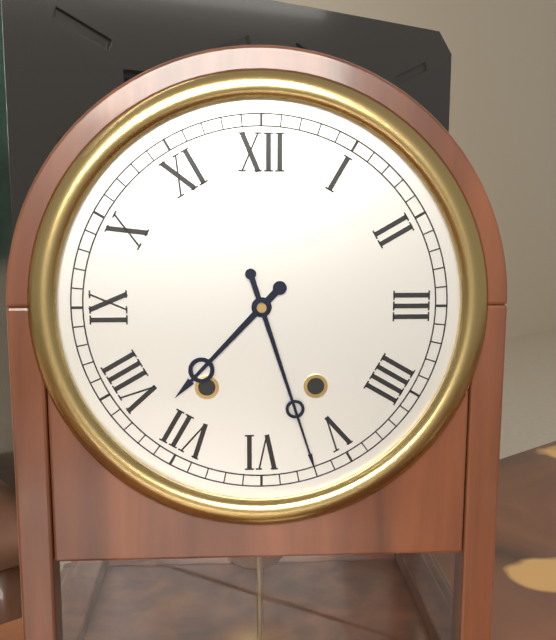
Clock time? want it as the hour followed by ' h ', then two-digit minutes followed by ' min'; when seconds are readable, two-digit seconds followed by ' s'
7 h 27 min
